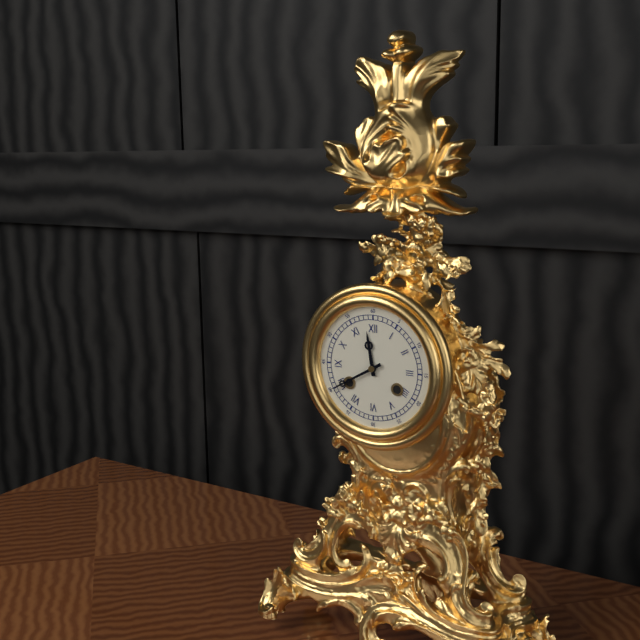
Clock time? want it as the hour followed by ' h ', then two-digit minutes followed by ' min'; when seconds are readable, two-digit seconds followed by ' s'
11 h 40 min
